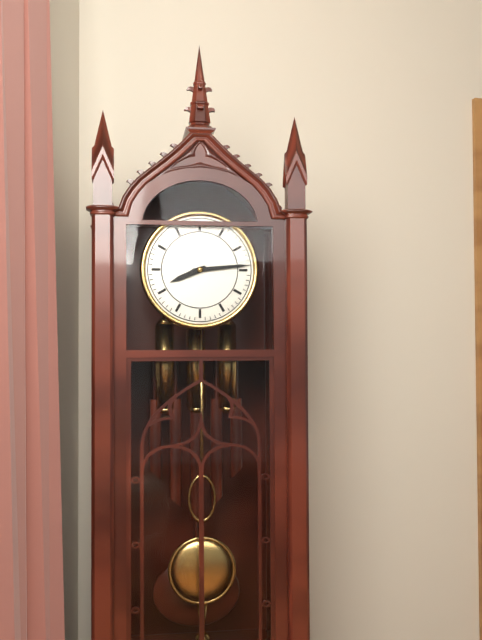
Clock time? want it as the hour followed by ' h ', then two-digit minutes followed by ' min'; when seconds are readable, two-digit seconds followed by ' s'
8 h 14 min
